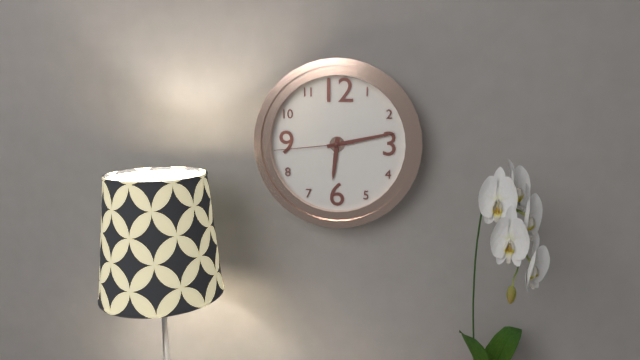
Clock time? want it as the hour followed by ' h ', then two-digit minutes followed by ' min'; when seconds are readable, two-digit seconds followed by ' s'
6 h 13 min 44 s
